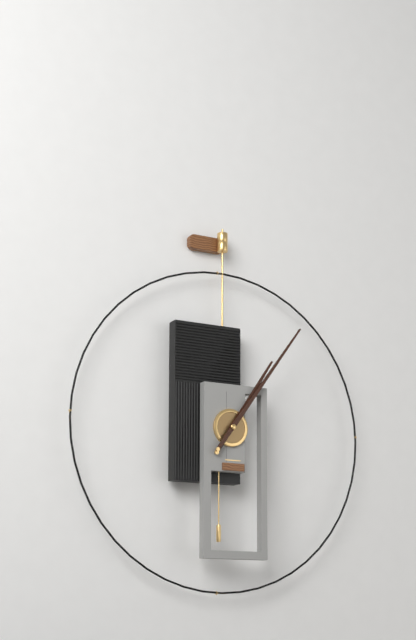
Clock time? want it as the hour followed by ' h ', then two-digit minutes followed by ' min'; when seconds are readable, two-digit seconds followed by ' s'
1 h 06 min
